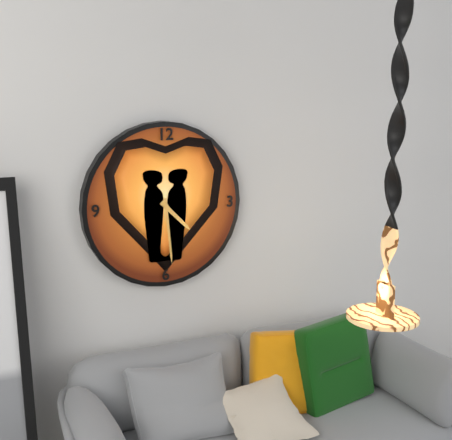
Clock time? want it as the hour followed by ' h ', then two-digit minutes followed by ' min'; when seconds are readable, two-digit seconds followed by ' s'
4 h 29 min
